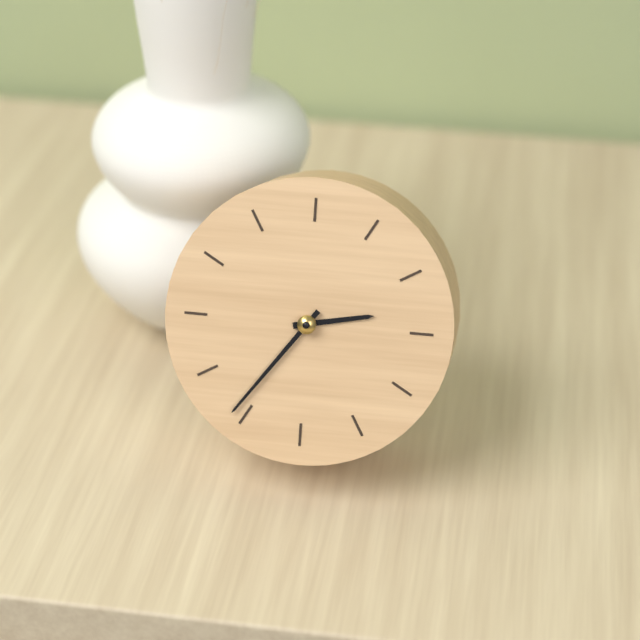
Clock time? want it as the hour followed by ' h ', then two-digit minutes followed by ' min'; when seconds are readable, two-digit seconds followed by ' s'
2 h 36 min
